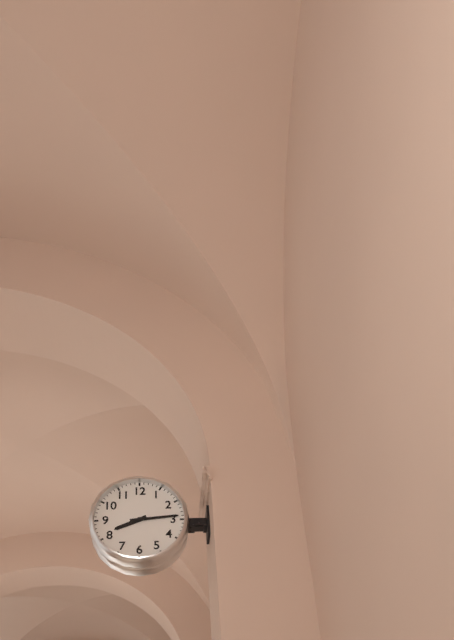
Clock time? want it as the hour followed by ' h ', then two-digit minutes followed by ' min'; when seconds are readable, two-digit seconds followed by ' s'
8 h 14 min
